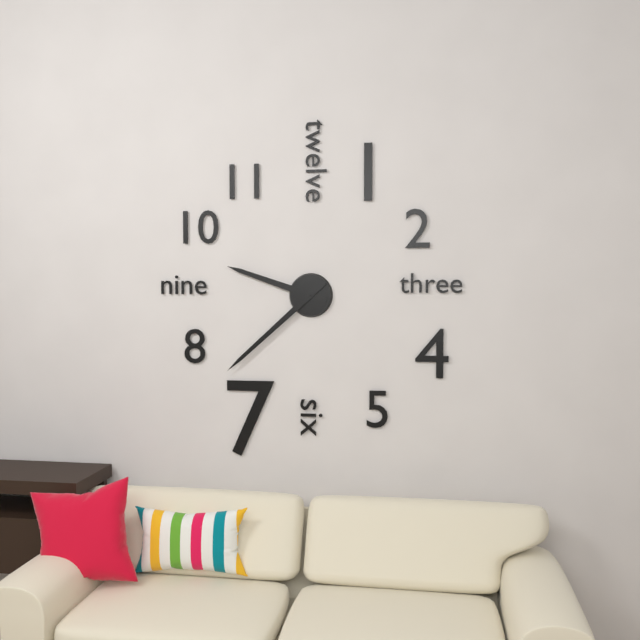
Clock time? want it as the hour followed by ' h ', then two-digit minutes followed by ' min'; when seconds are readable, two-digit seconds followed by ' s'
9 h 38 min
